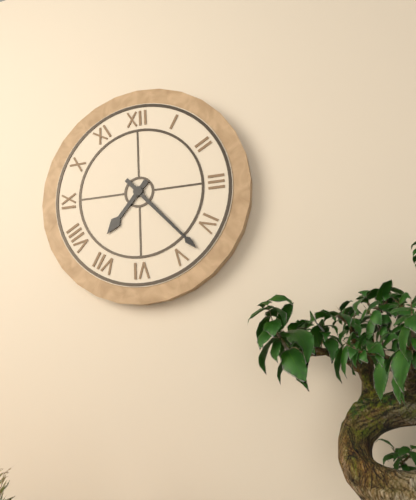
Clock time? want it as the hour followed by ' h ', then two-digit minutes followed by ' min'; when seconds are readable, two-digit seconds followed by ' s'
7 h 23 min
